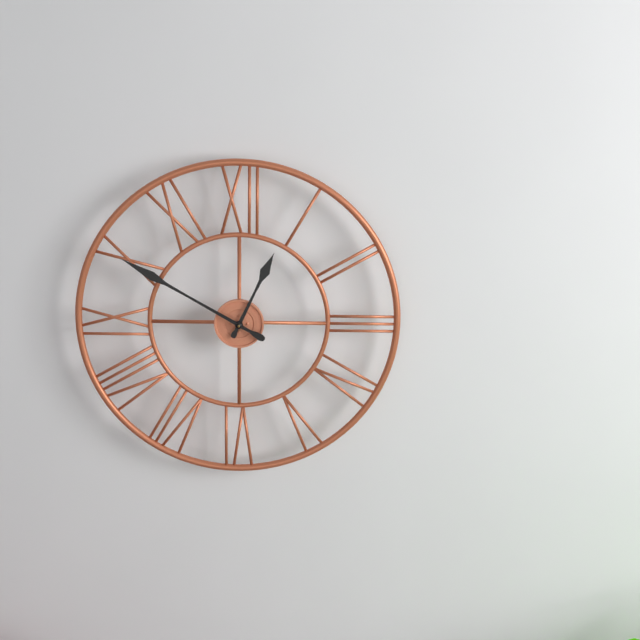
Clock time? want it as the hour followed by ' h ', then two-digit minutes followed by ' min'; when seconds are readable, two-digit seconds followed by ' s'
12 h 50 min
